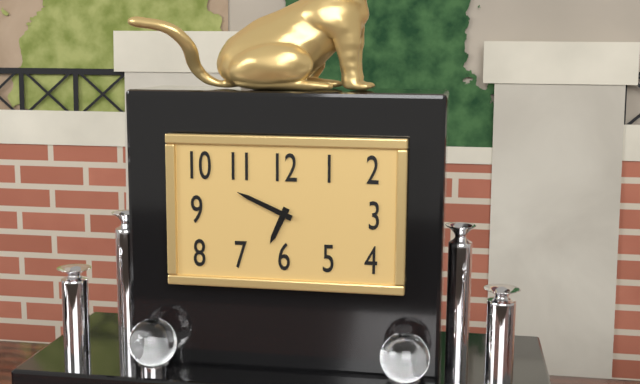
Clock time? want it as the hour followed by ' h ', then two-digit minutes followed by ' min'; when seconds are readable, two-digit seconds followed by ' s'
6 h 49 min
